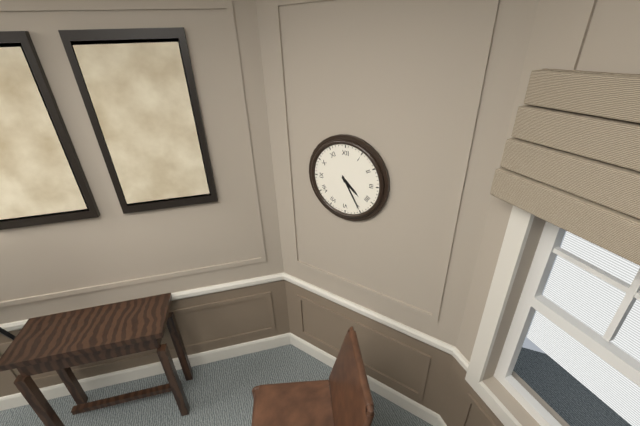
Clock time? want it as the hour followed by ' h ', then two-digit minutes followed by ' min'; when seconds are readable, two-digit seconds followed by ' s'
4 h 25 min
